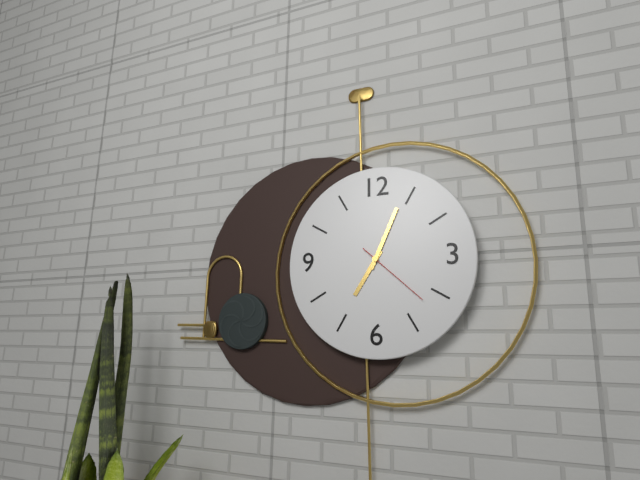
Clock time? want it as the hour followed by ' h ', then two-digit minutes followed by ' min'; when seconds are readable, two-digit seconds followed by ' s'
7 h 04 min 22 s
